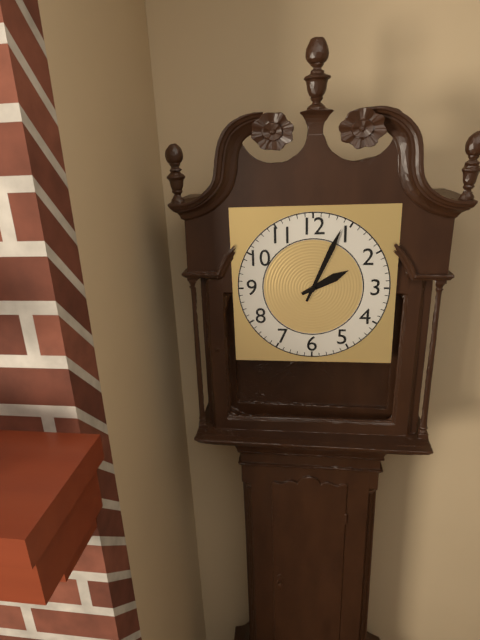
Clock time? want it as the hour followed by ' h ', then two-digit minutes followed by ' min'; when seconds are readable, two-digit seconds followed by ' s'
2 h 04 min
